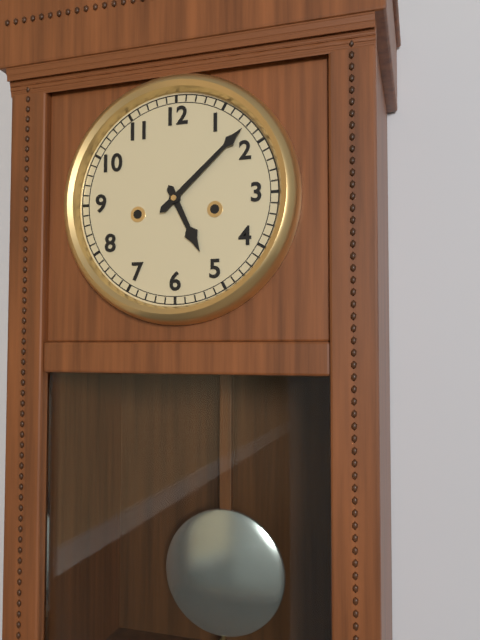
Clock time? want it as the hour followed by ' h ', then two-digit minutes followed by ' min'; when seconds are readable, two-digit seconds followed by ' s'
5 h 08 min
